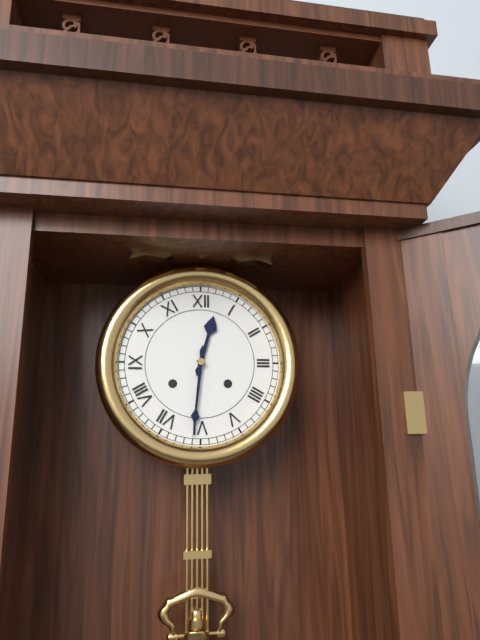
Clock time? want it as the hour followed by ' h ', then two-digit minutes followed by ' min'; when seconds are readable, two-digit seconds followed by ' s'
12 h 31 min
